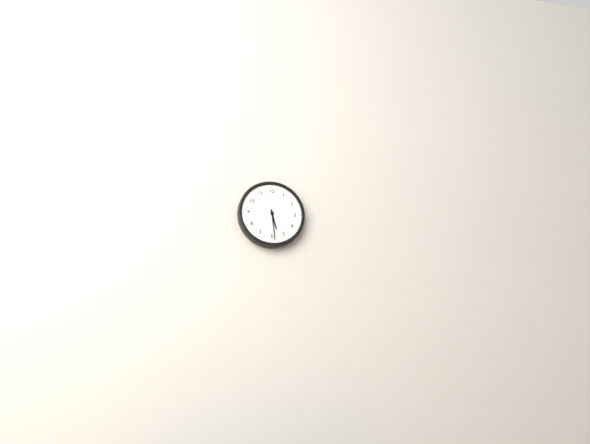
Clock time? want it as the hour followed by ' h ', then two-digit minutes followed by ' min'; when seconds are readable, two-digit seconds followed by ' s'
5 h 29 min
